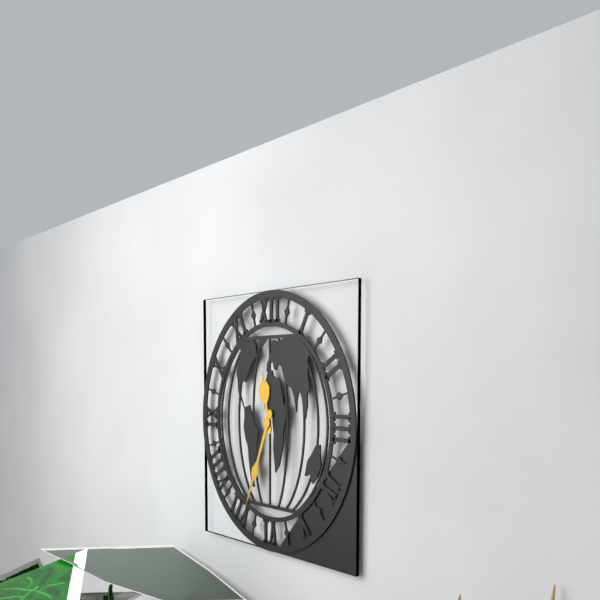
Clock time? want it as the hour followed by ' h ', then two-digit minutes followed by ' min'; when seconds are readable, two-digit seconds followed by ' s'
11 h 34 min
